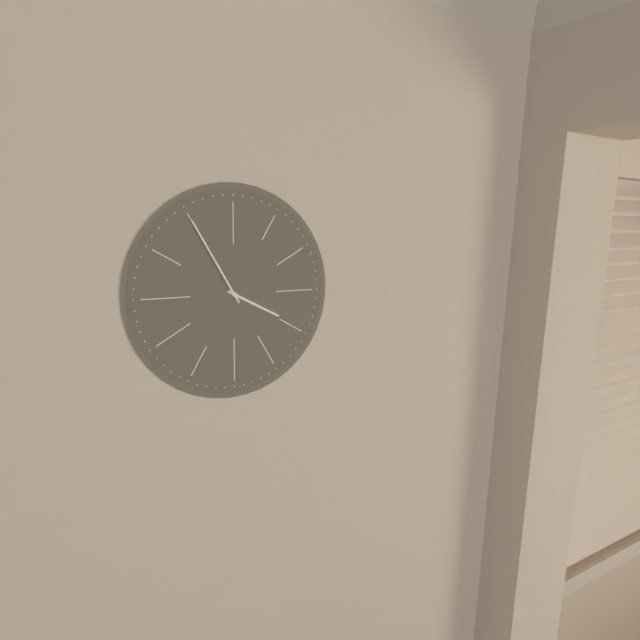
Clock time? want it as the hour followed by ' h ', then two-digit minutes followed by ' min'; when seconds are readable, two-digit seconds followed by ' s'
3 h 55 min
